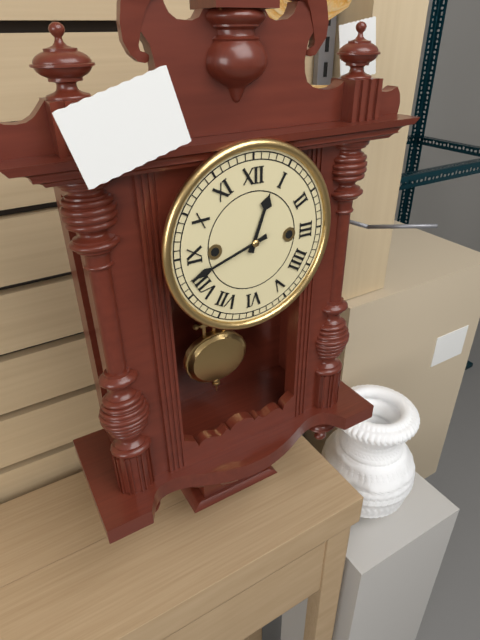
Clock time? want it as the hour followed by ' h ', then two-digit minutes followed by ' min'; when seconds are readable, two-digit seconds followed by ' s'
12 h 42 min
